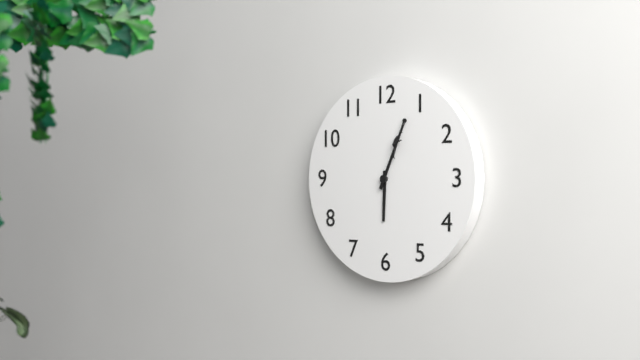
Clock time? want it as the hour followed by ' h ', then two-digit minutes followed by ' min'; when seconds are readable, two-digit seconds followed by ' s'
6 h 04 min
